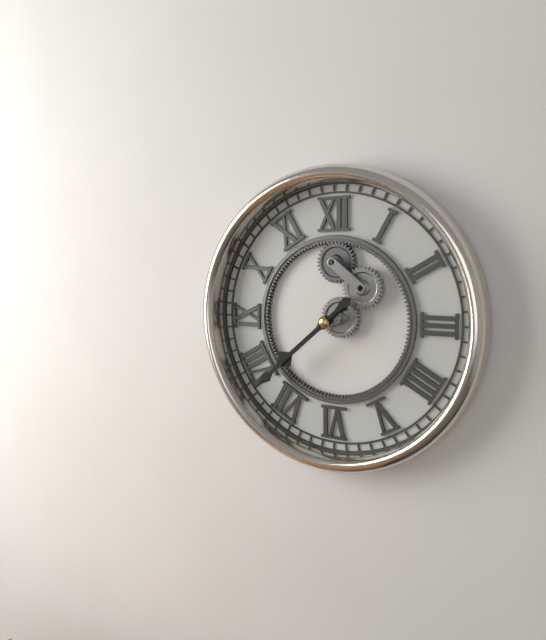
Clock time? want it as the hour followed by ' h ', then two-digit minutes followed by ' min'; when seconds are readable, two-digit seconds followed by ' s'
7 h 38 min
